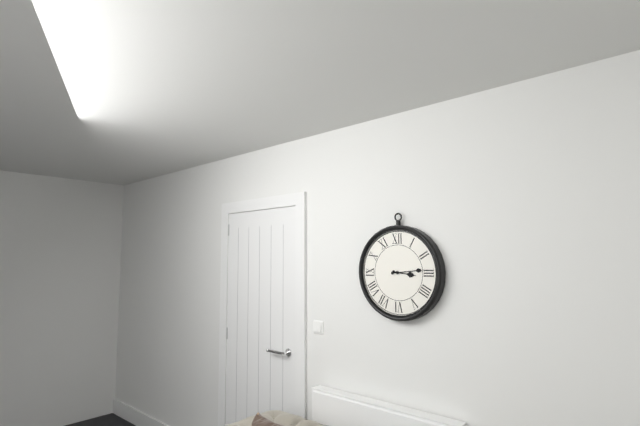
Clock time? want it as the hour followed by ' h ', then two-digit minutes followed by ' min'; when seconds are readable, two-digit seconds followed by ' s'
3 h 14 min
